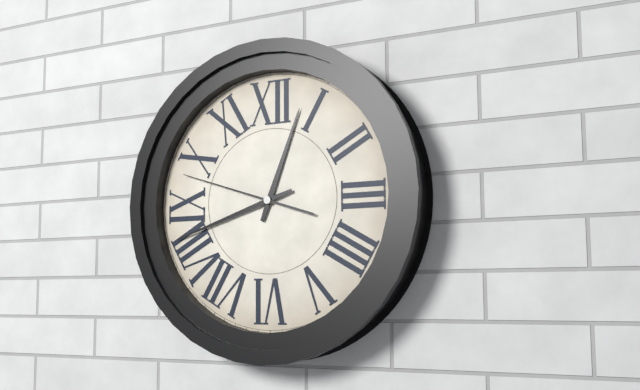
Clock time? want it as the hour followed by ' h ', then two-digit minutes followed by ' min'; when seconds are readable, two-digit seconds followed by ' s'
12 h 42 min 48 s
